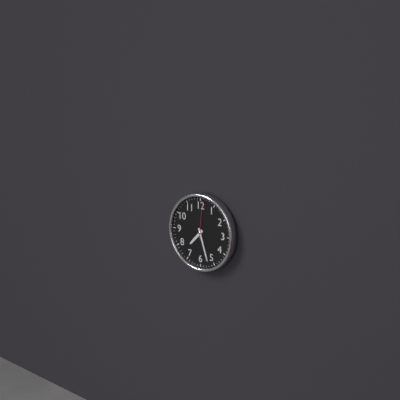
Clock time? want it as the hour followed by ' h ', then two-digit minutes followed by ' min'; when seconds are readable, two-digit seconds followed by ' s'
7 h 27 min
